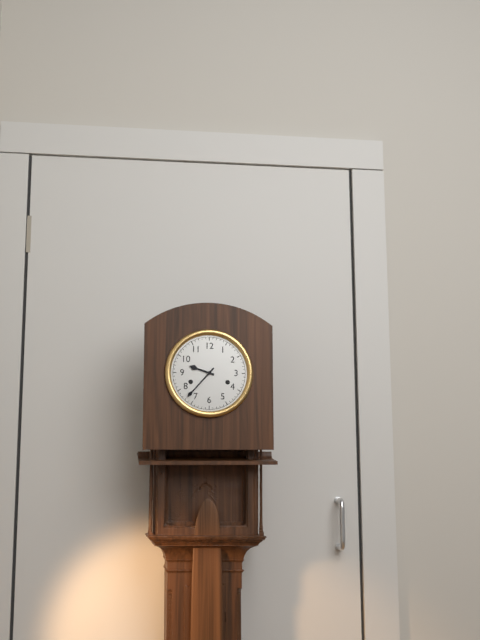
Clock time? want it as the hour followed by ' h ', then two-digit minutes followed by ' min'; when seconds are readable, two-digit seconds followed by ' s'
9 h 37 min
